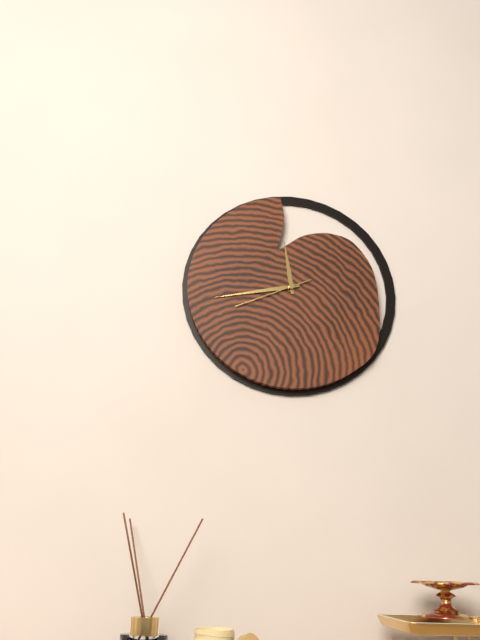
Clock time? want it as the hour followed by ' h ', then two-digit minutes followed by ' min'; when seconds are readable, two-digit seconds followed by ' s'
11 h 43 min 41 s
